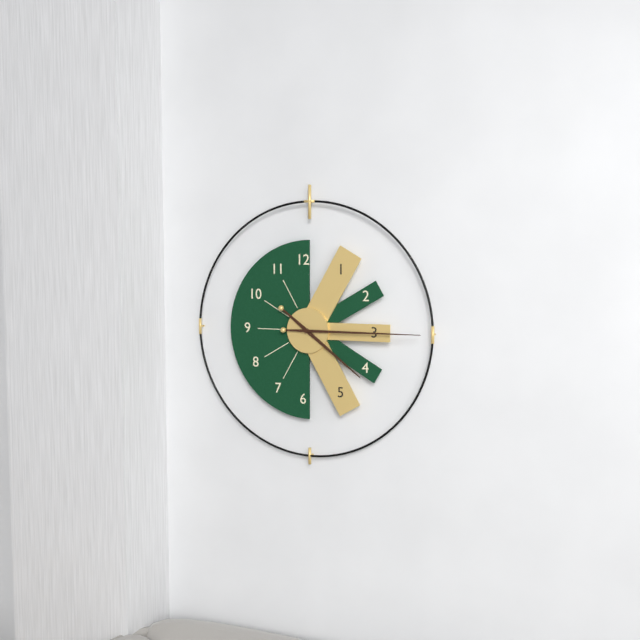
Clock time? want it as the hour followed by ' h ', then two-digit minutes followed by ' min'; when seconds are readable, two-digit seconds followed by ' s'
4 h 15 min
